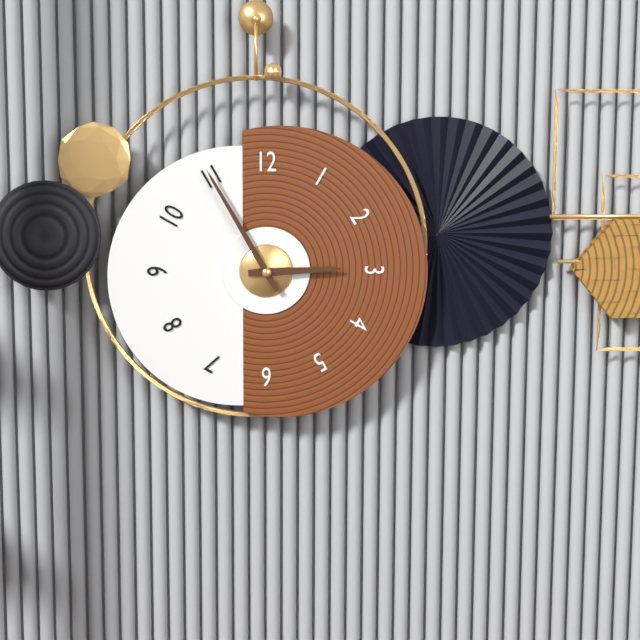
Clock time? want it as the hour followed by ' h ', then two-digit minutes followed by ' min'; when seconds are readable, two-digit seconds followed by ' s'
2 h 55 min
